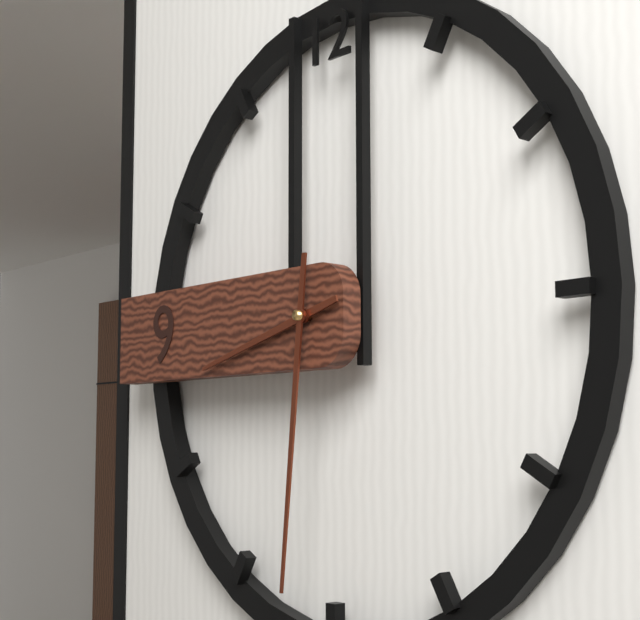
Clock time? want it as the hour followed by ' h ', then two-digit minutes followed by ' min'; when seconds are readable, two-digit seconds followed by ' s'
8 h 31 min
